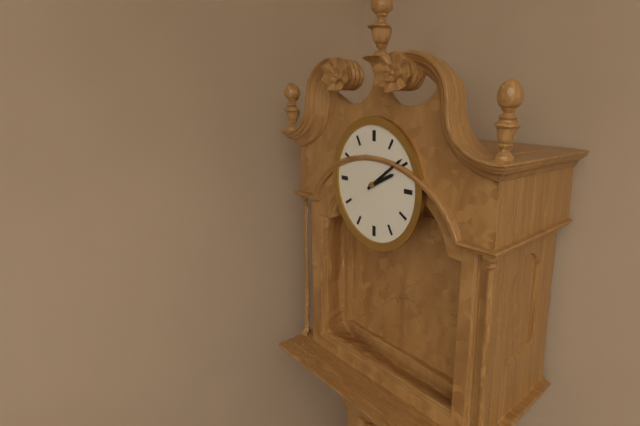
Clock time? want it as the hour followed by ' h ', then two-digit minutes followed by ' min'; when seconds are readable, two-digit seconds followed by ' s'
2 h 09 min
